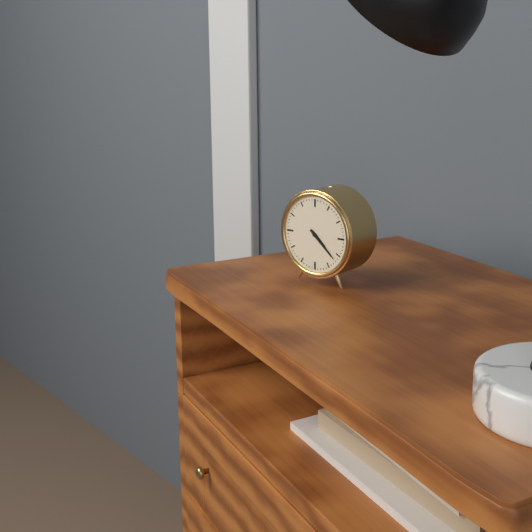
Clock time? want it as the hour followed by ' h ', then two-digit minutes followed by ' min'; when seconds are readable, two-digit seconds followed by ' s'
4 h 22 min
